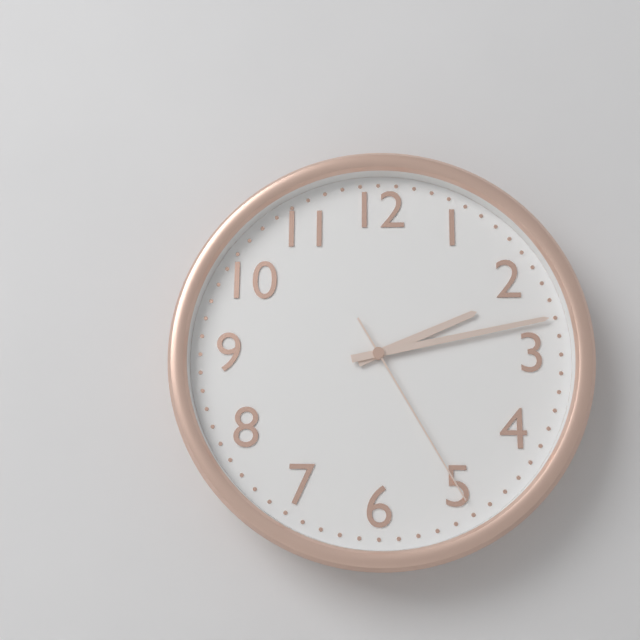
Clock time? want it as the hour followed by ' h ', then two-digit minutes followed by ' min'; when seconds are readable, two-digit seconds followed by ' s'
2 h 13 min 25 s
